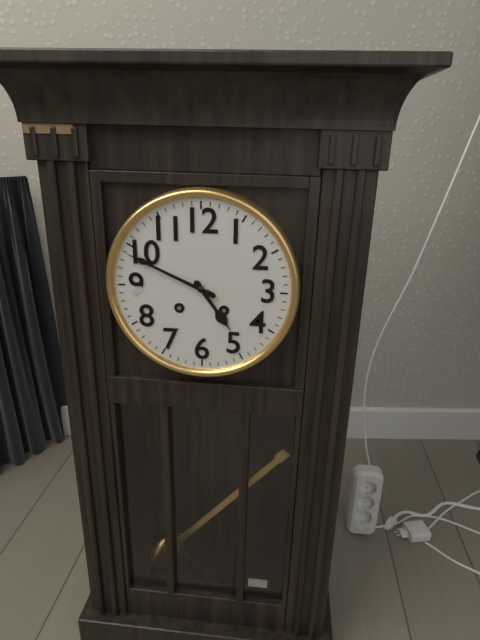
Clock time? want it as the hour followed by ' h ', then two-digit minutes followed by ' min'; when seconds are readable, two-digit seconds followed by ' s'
4 h 49 min
